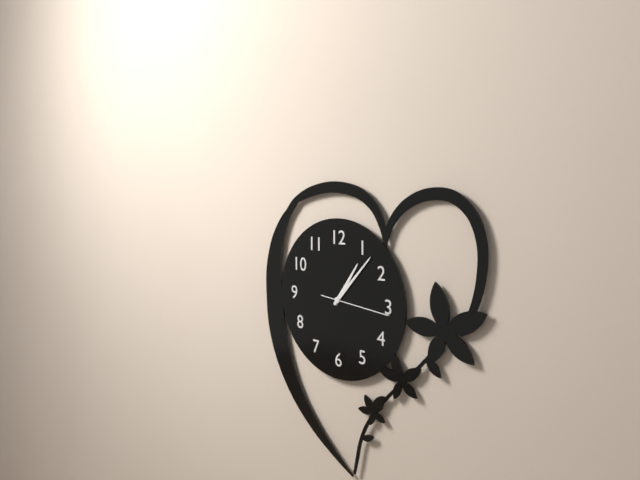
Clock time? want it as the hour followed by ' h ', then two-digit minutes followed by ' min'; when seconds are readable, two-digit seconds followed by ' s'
1 h 07 min 16 s
